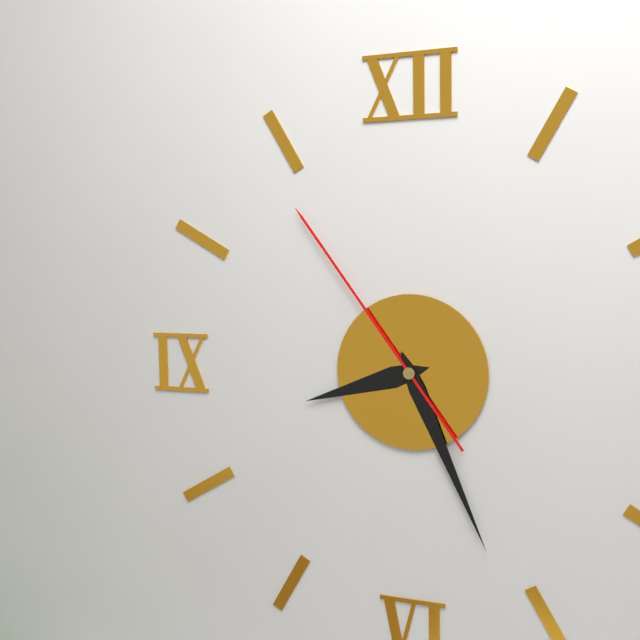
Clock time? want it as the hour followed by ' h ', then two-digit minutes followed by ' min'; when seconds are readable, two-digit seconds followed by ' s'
8 h 26 min 54 s
